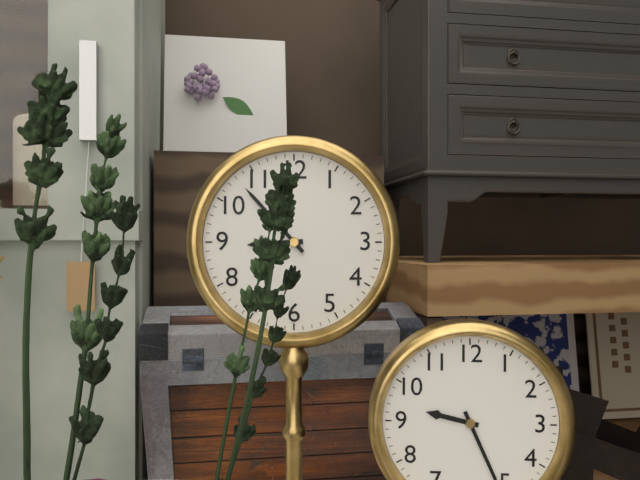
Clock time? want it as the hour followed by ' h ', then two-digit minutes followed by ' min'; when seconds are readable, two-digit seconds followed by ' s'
8 h 53 min
